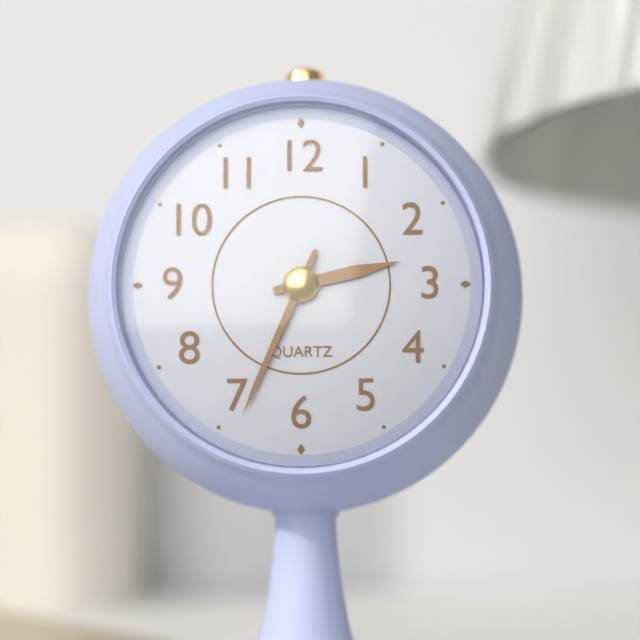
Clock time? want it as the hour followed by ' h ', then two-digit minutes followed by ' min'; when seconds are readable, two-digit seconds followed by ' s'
2 h 34 min
